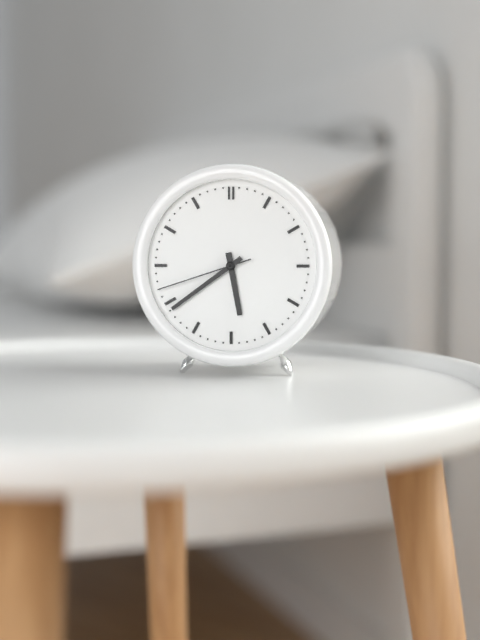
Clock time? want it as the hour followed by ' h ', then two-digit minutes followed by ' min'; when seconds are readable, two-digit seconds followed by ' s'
5 h 39 min 42 s
